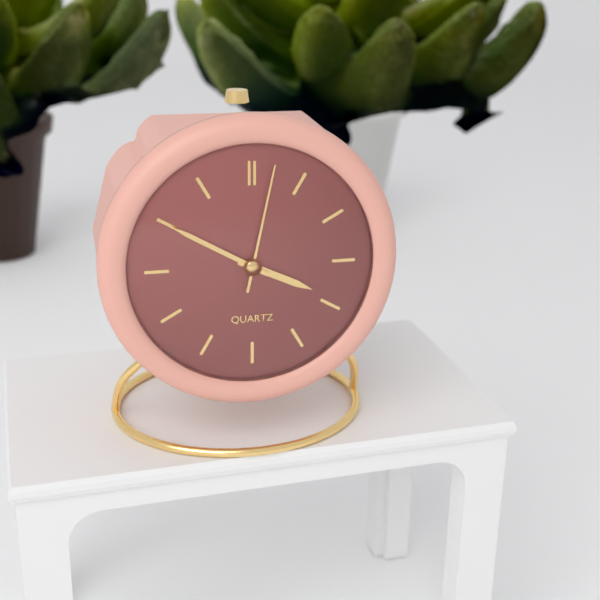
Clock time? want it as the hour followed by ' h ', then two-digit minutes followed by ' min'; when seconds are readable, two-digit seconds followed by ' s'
3 h 50 min 02 s
